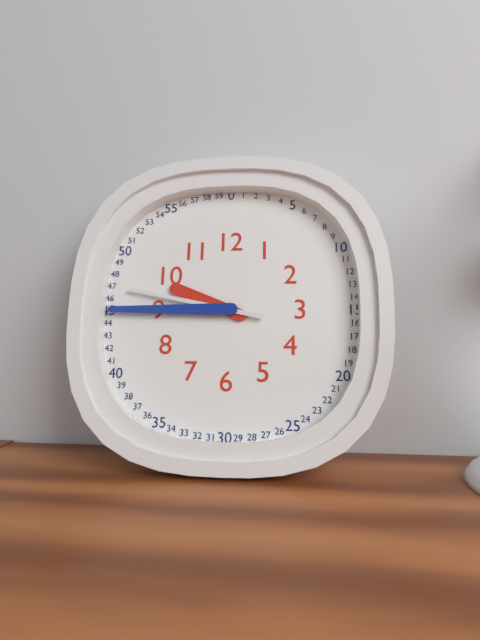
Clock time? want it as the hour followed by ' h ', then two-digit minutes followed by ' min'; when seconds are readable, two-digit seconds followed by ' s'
9 h 45 min 47 s
